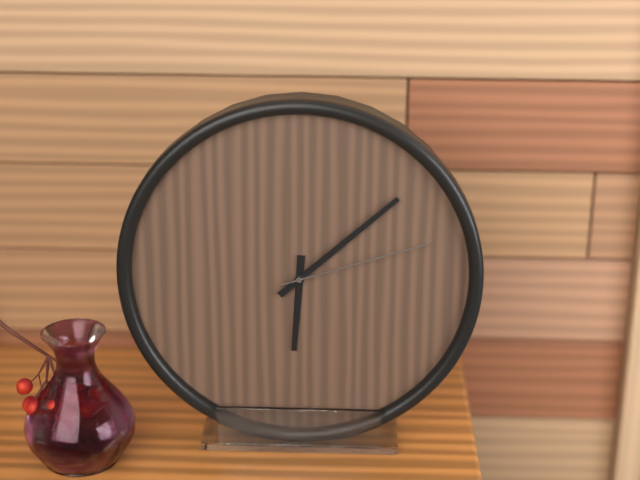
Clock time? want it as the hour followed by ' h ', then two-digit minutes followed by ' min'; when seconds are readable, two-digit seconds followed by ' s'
6 h 08 min 12 s
